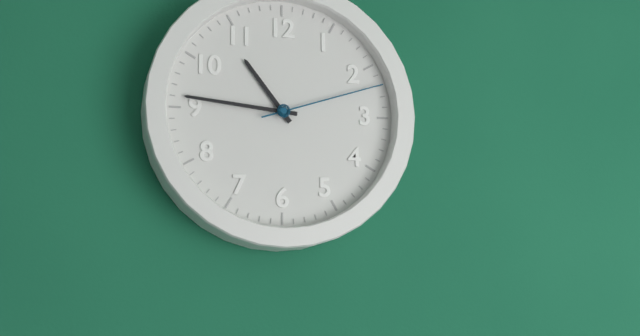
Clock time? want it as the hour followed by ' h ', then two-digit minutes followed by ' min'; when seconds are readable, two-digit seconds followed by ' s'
10 h 46 min 12 s
